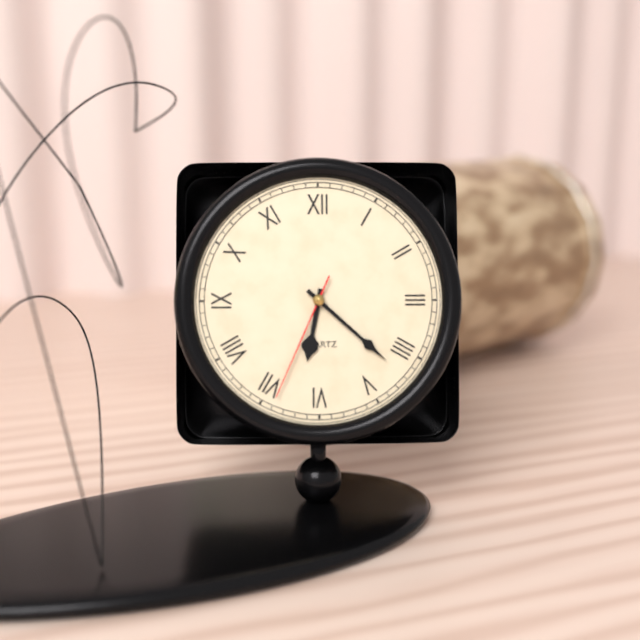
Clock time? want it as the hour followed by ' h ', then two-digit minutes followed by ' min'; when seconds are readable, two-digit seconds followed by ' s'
6 h 22 min 34 s
